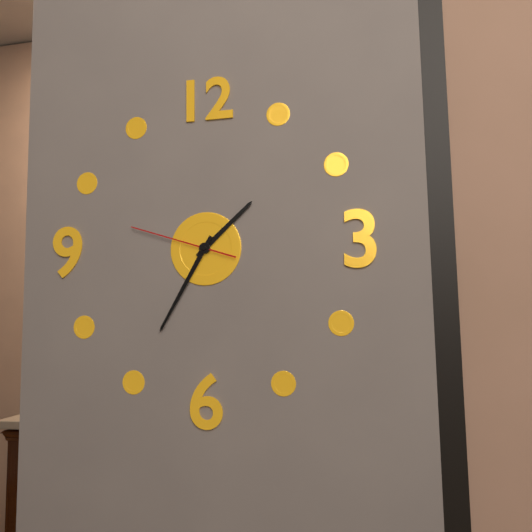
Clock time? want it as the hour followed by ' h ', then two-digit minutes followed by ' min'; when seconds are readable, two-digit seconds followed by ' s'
1 h 35 min 48 s
